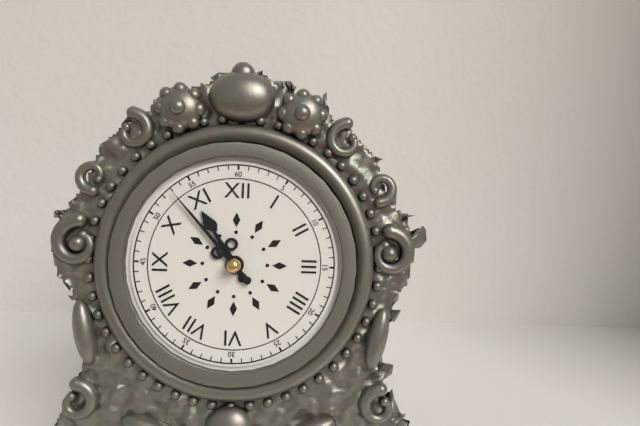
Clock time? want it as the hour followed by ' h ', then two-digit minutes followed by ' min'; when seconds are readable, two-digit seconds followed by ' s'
10 h 53 min
